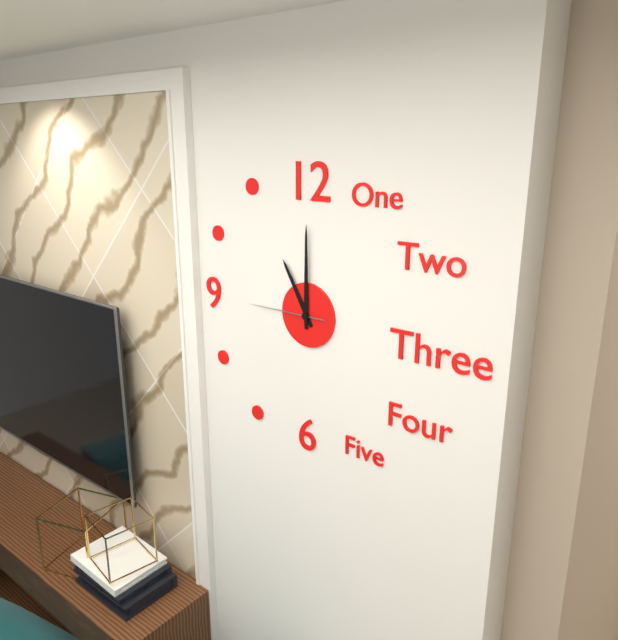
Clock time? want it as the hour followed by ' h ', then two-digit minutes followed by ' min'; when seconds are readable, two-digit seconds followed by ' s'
11 h 00 min 45 s
